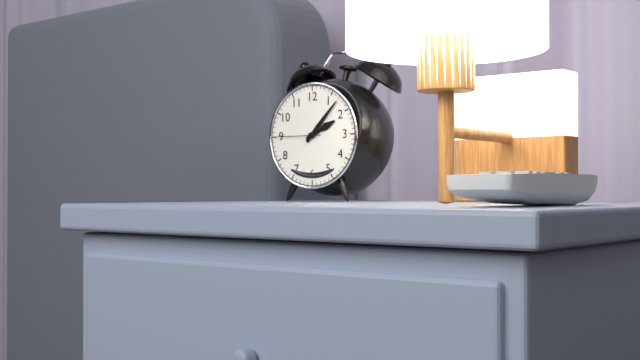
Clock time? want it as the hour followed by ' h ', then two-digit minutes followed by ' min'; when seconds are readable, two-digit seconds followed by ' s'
2 h 07 min
